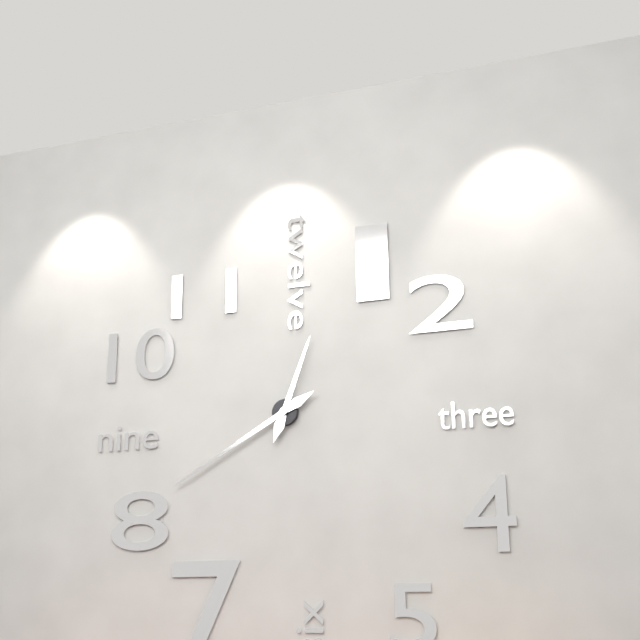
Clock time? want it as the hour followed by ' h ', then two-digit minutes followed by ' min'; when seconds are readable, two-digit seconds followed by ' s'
12 h 40 min
